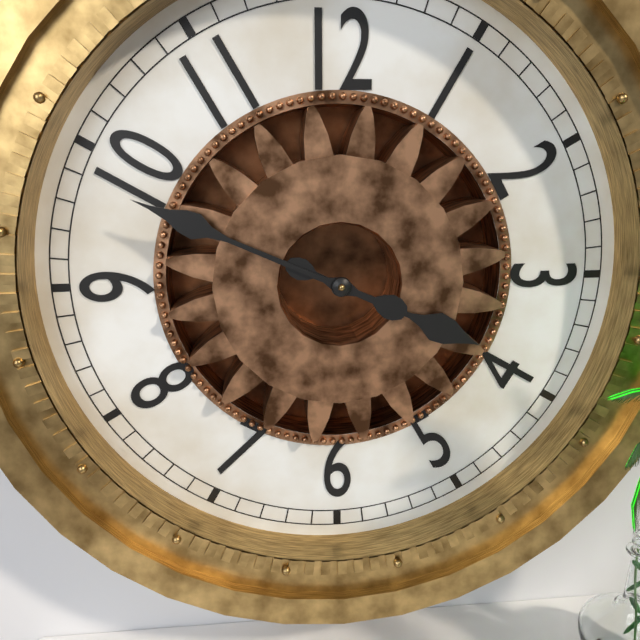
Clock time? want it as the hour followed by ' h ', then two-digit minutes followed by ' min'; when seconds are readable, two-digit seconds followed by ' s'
3 h 49 min
